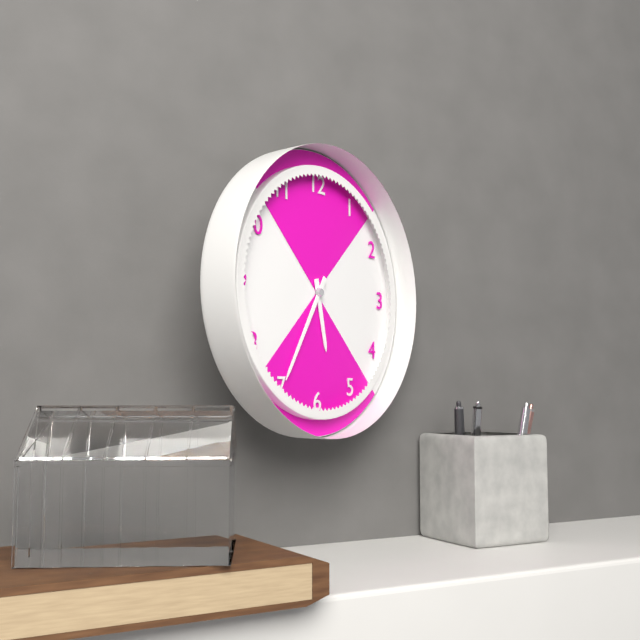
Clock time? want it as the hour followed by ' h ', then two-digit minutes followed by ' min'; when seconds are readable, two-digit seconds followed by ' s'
5 h 35 min
